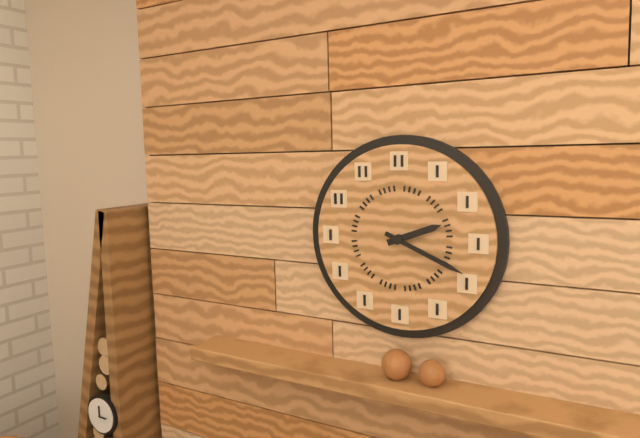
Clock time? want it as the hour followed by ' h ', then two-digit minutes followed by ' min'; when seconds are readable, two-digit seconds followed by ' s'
2 h 19 min
